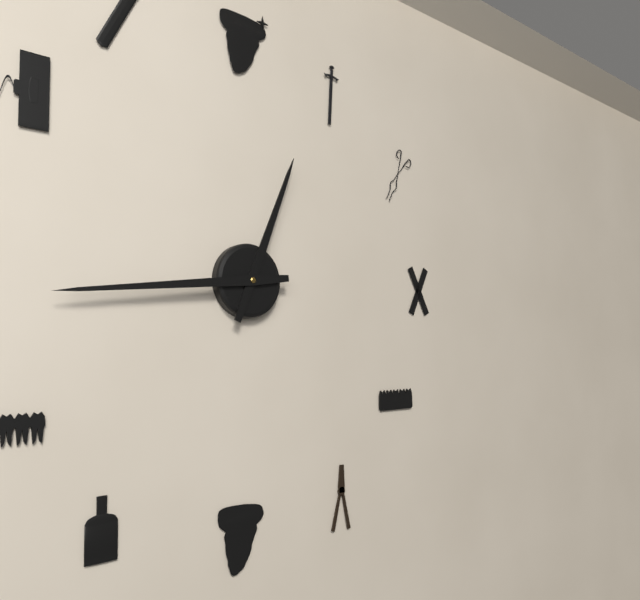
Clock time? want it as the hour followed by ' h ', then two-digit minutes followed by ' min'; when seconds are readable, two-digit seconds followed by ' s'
12 h 44 min
